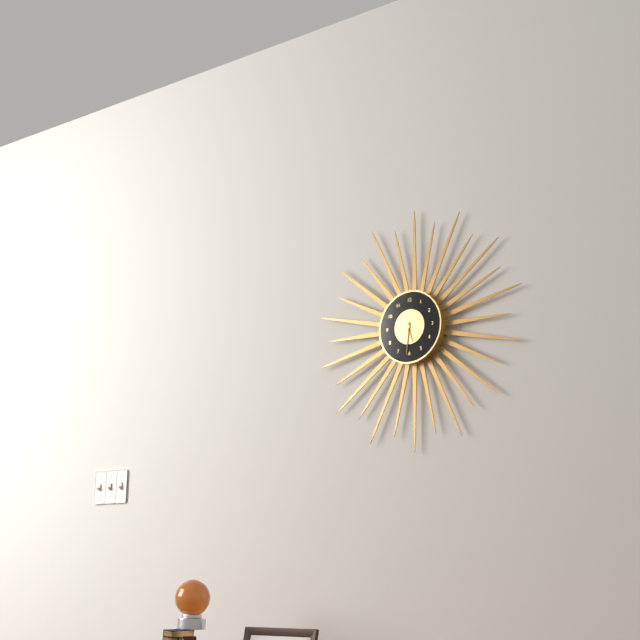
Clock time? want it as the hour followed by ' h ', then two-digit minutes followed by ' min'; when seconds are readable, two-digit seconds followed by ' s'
5 h 31 min
